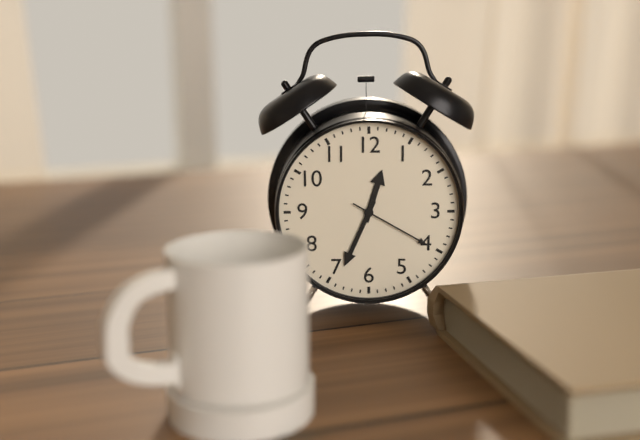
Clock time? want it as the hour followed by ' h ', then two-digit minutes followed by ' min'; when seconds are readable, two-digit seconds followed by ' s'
12 h 34 min 20 s
